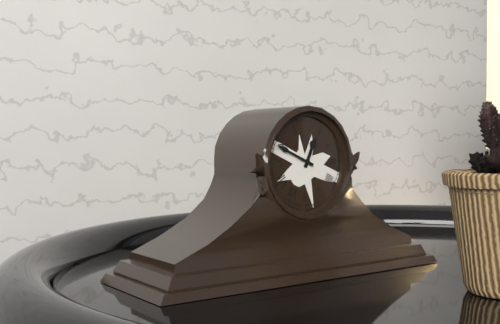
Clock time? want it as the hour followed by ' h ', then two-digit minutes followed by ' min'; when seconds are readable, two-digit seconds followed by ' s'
12 h 49 min
